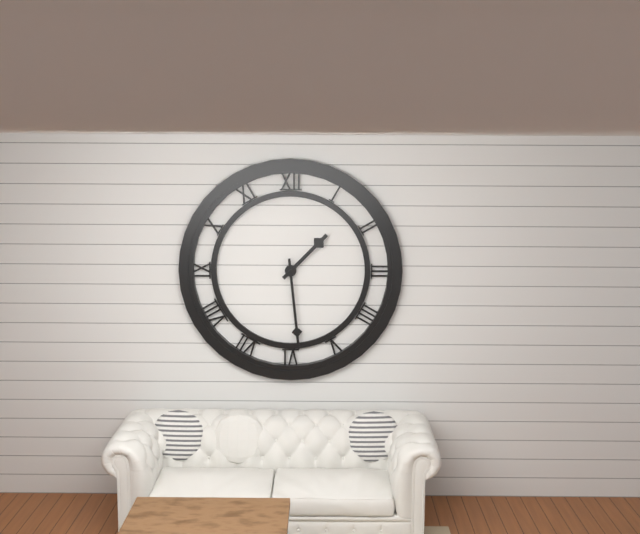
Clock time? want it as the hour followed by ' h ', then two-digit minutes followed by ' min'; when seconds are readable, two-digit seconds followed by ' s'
1 h 29 min
